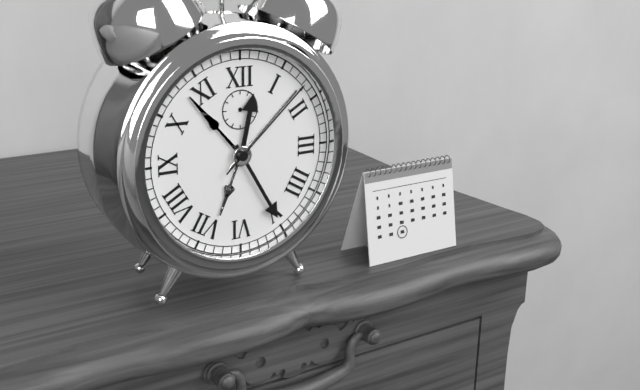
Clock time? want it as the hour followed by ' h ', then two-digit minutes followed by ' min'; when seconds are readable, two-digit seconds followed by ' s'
12 h 25 min 08 s
